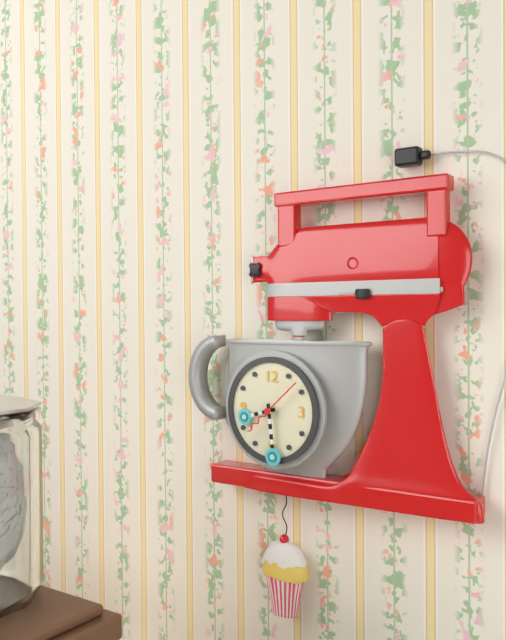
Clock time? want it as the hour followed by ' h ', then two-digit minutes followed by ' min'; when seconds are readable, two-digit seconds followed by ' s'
8 h 29 min
